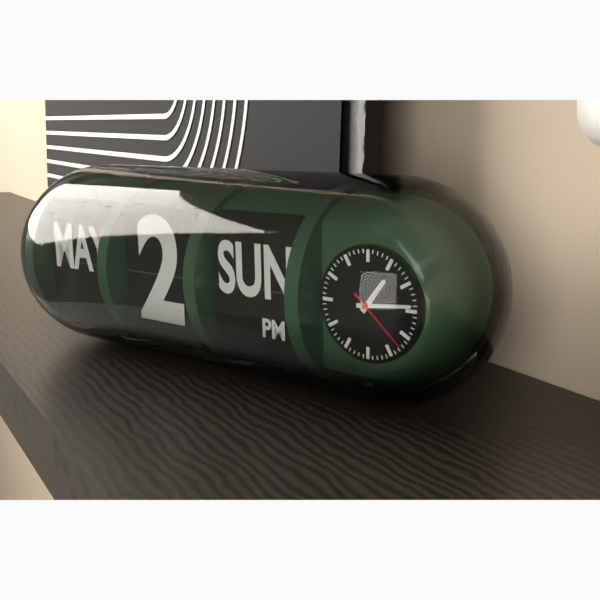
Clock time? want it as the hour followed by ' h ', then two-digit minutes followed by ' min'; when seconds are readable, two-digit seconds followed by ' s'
1 h 14 min 22 s
